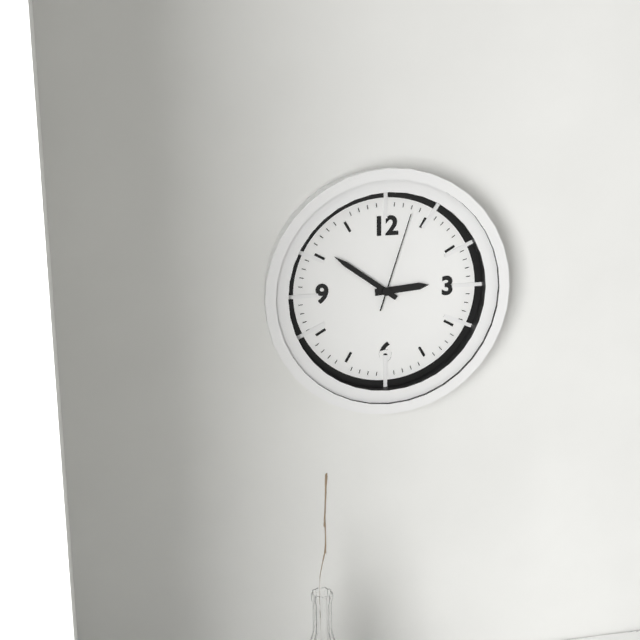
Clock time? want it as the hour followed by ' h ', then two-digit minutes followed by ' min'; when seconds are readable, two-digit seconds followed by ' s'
2 h 51 min 03 s
